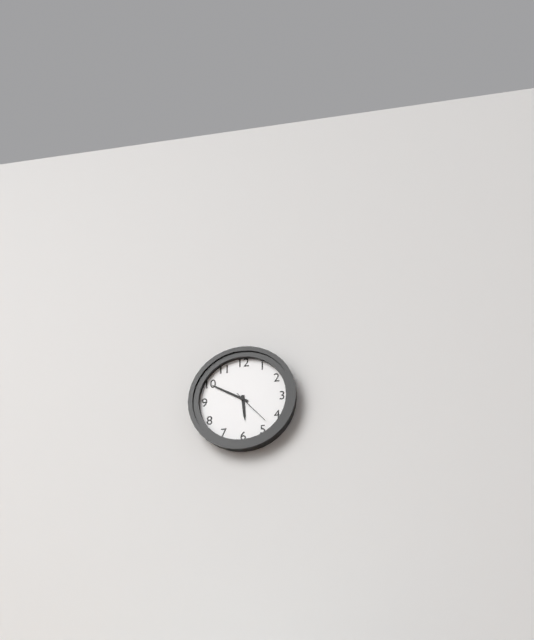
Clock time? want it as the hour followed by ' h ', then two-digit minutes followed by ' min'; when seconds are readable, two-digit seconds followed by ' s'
5 h 50 min
